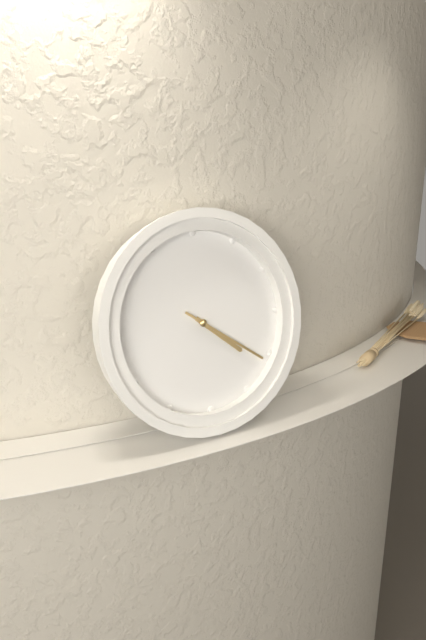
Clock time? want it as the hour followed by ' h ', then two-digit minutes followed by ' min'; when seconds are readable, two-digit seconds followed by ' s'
4 h 21 min
